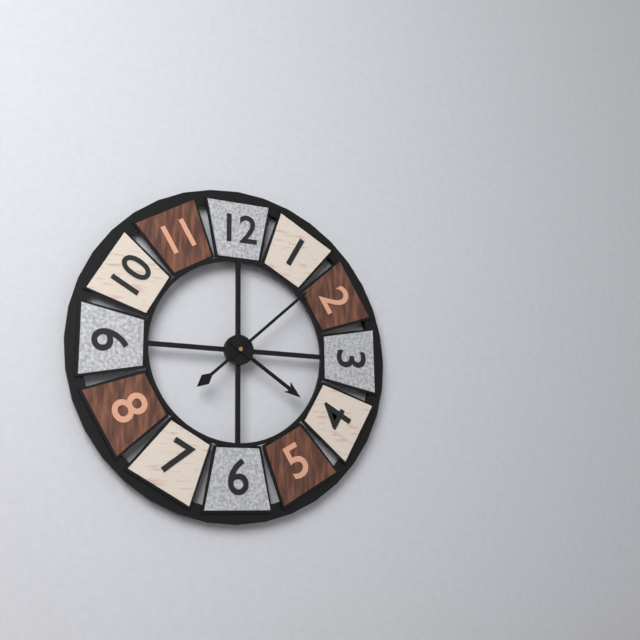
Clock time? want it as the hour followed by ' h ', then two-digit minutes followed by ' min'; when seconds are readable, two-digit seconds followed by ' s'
4 h 08 min
